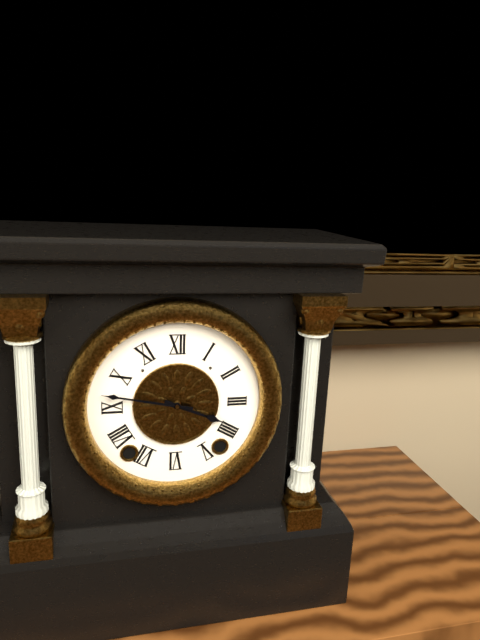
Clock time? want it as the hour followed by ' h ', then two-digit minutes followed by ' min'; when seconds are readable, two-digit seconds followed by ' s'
3 h 47 min
